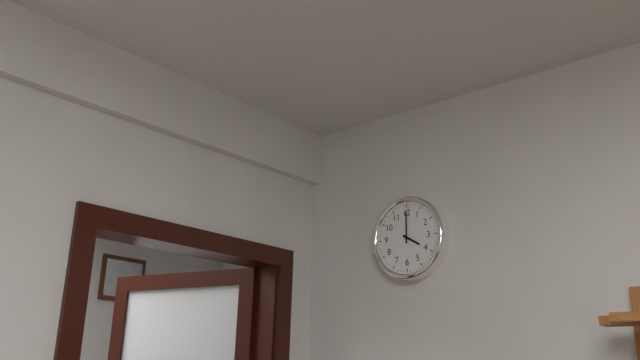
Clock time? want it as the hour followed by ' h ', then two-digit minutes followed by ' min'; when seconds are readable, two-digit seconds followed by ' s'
4 h 00 min
